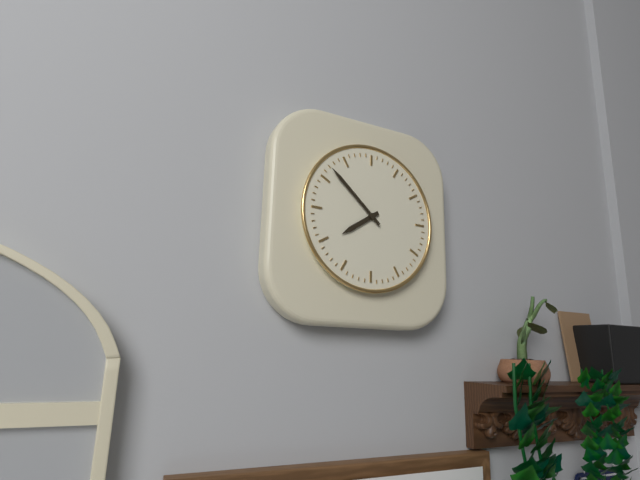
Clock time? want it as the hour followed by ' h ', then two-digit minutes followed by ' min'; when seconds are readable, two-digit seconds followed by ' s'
7 h 52 min
